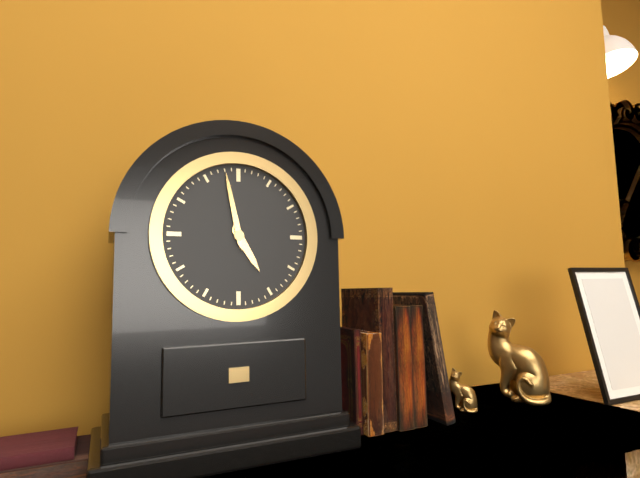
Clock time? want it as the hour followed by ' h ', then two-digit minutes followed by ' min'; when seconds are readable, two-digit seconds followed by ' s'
4 h 58 min
